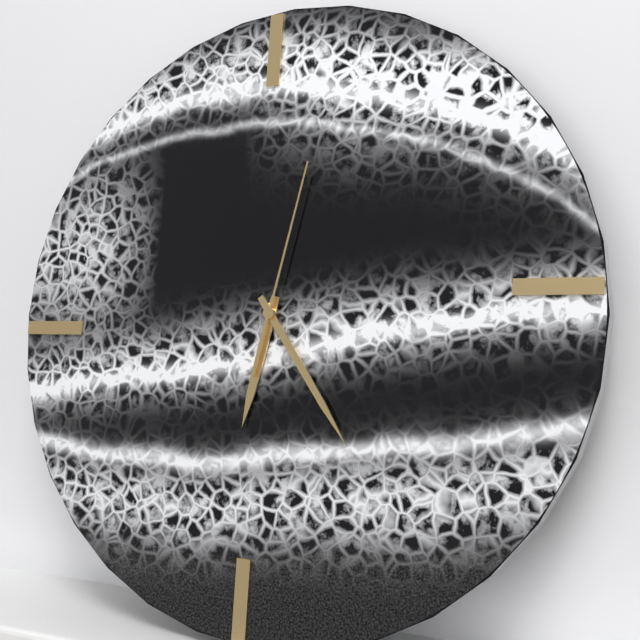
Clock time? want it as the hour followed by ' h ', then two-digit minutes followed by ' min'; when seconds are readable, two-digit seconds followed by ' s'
6 h 24 min 02 s
